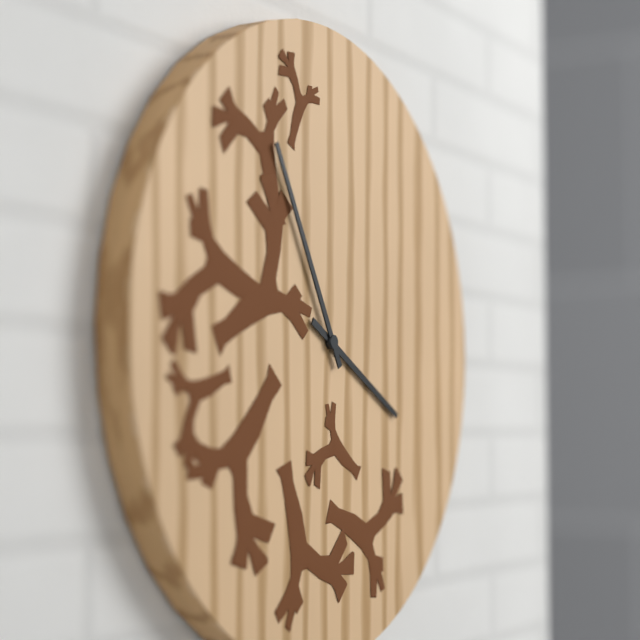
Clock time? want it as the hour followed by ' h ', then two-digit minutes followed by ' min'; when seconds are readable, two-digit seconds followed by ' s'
3 h 55 min
